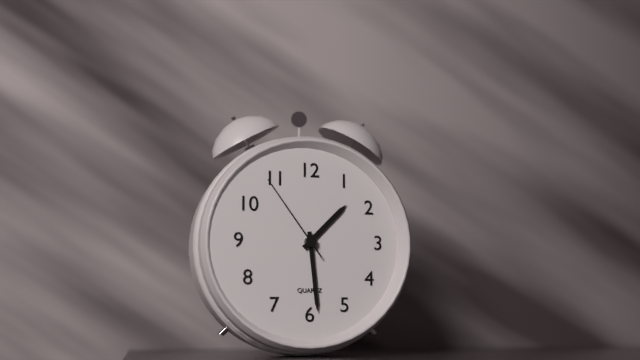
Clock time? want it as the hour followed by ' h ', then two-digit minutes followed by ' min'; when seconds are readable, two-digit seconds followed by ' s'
1 h 29 min 54 s
